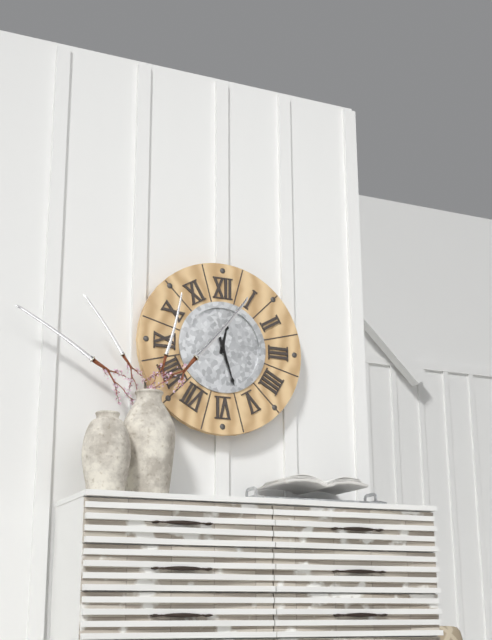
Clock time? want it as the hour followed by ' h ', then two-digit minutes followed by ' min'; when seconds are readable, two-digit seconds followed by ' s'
12 h 27 min
